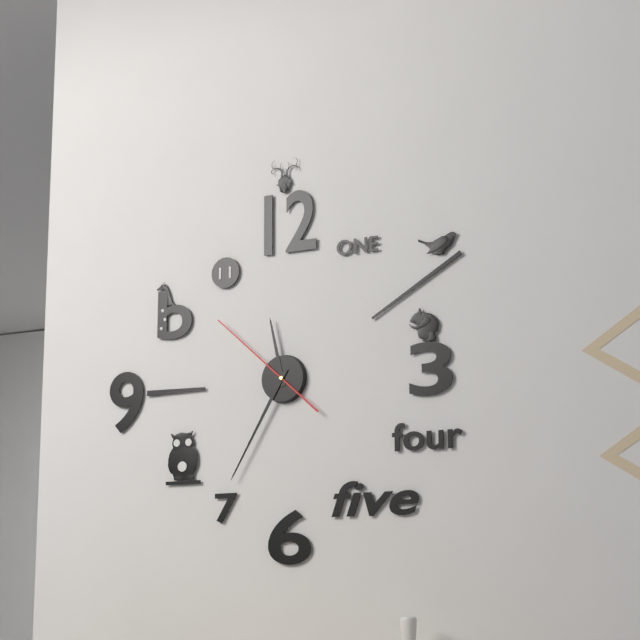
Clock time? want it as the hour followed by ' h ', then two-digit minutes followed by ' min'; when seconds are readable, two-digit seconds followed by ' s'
11 h 35 min 52 s
